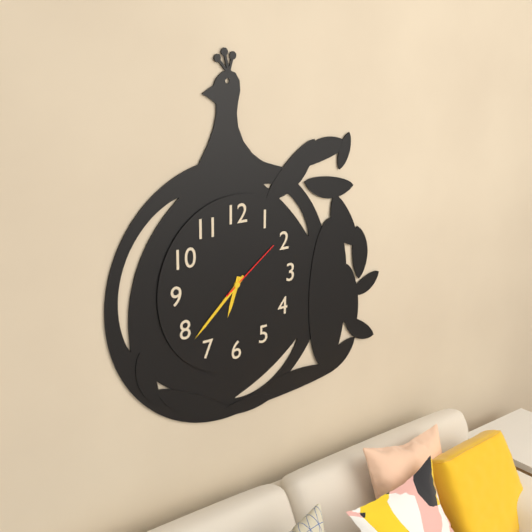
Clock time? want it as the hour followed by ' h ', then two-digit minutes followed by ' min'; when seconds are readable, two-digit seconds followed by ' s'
6 h 38 min 09 s
